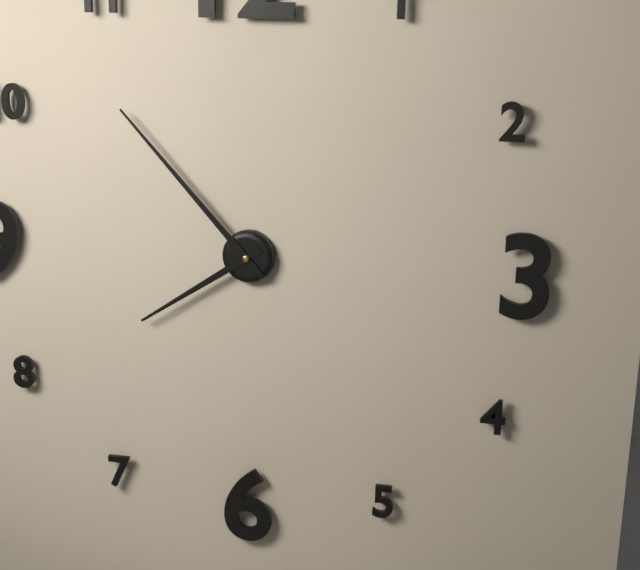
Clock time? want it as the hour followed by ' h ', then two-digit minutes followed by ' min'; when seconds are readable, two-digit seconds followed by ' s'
7 h 53 min
